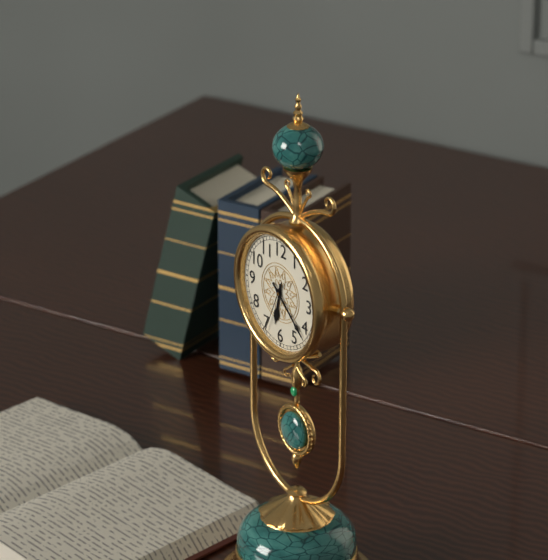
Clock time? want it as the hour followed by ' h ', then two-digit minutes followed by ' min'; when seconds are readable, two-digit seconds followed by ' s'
6 h 22 min 34 s
